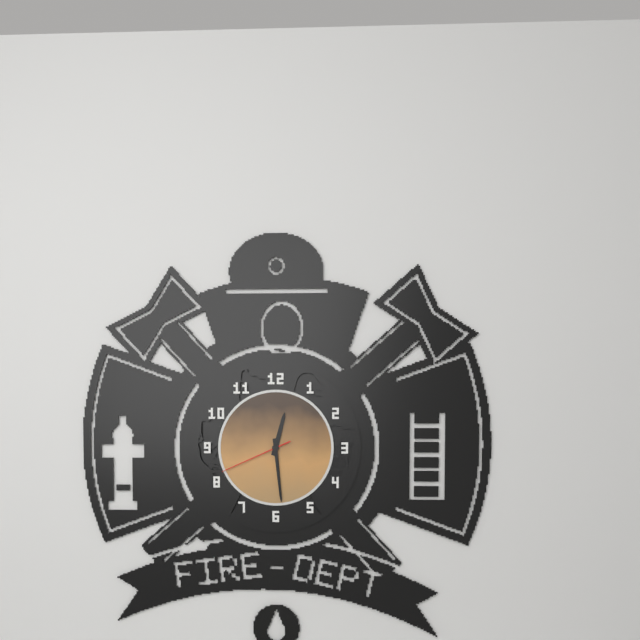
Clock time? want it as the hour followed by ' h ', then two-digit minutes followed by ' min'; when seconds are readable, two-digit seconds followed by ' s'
12 h 29 min 41 s
